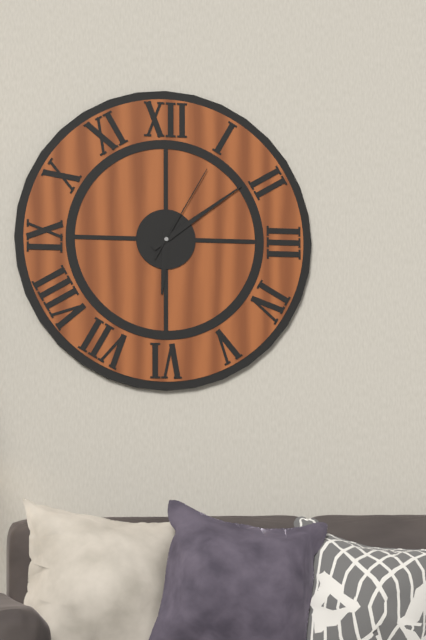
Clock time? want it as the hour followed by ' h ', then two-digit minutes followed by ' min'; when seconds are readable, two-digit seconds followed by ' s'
6 h 09 min 05 s
